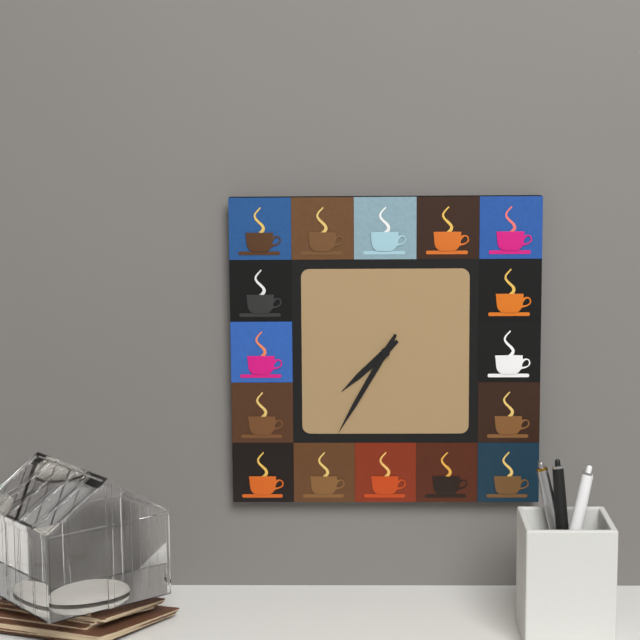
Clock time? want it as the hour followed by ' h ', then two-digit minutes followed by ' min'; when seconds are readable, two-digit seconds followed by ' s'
7 h 35 min
